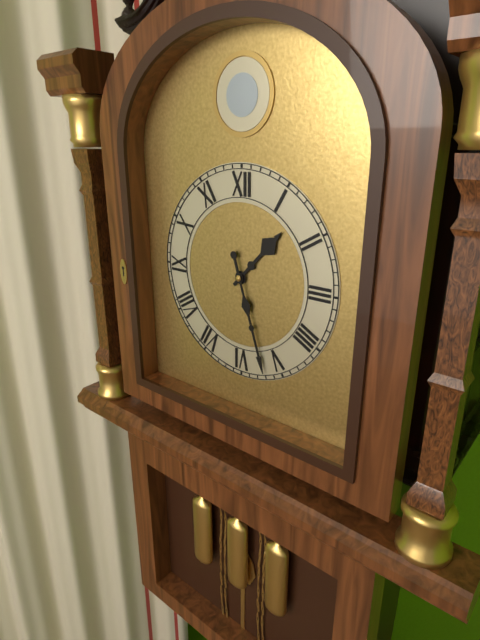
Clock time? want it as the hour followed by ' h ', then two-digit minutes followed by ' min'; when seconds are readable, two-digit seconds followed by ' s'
1 h 27 min
